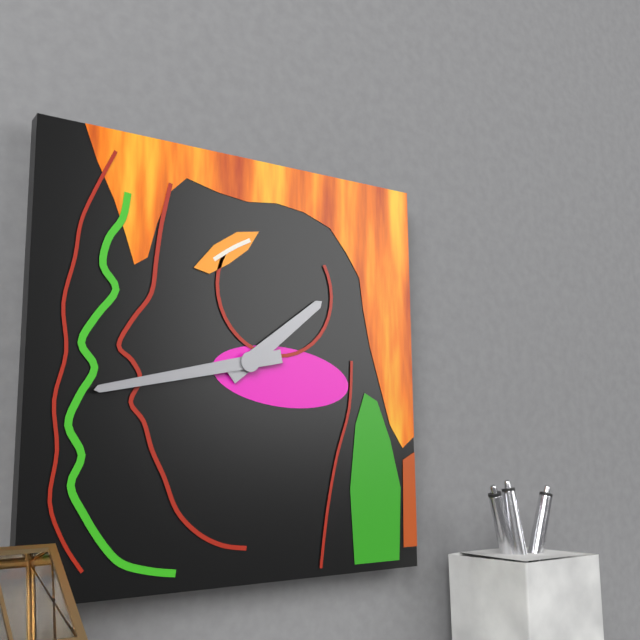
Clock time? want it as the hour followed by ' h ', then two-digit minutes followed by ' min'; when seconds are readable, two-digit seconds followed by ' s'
1 h 43 min
